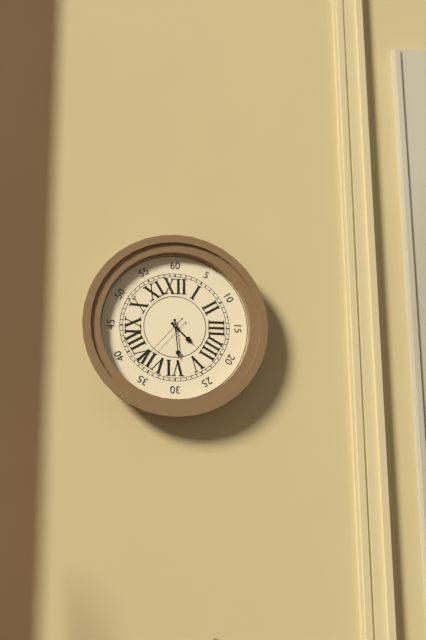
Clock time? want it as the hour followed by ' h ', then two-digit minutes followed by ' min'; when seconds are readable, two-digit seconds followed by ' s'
4 h 29 min 37 s
